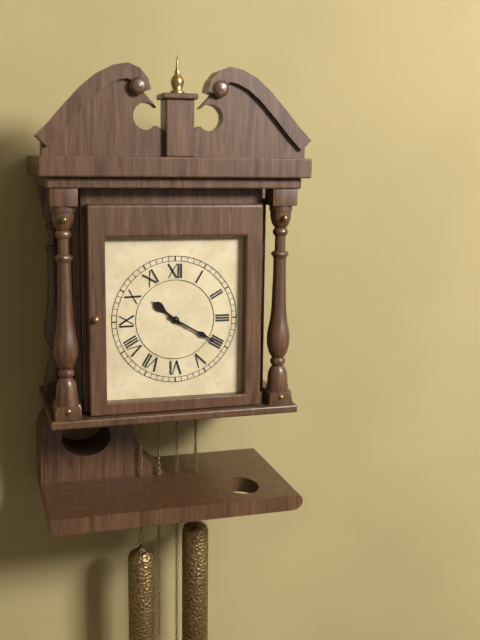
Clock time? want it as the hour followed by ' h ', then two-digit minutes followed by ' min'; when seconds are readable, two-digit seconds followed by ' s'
10 h 20 min
